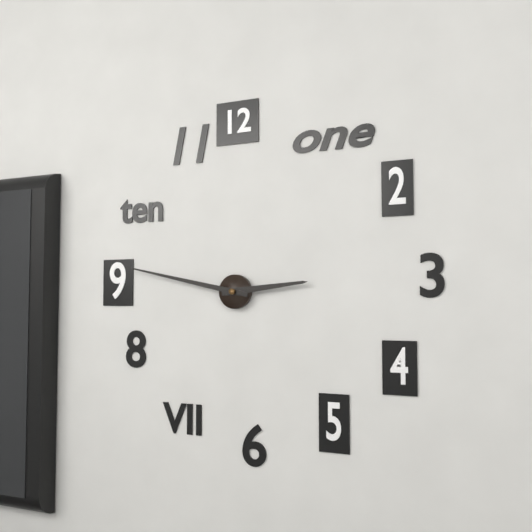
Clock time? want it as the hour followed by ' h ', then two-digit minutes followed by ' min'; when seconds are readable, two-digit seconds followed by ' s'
2 h 47 min
